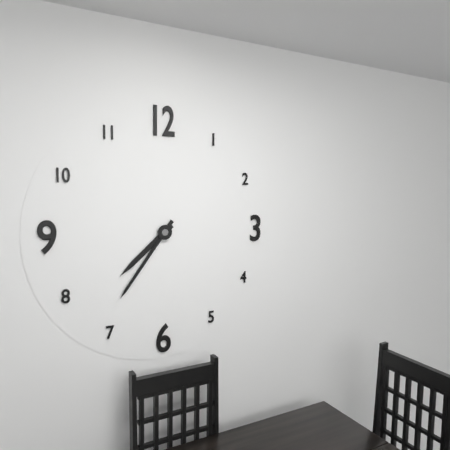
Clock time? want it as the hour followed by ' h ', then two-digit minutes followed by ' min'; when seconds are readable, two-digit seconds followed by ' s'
7 h 36 min
